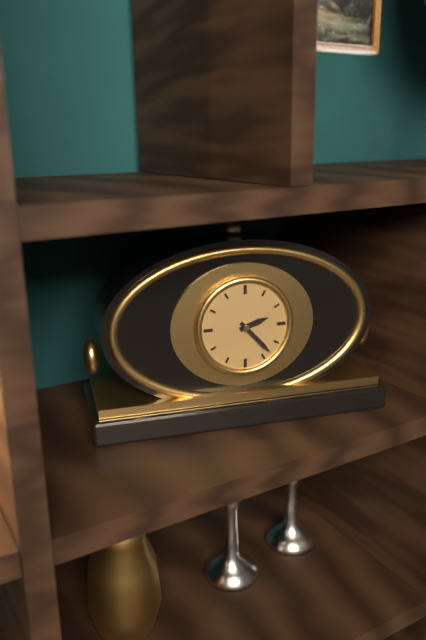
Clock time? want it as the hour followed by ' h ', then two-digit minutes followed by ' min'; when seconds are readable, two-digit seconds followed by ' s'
2 h 23 min
